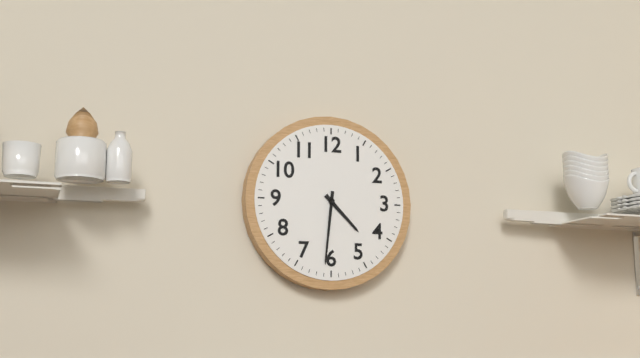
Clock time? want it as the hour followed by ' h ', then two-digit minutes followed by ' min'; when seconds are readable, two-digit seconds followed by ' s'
4 h 31 min
